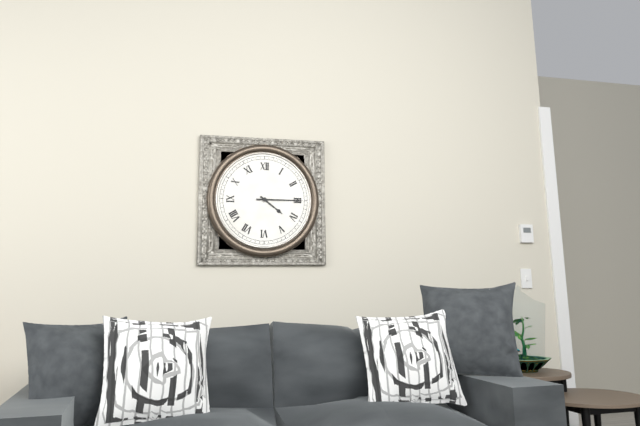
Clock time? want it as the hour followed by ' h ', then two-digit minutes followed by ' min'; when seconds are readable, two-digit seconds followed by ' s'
4 h 15 min
